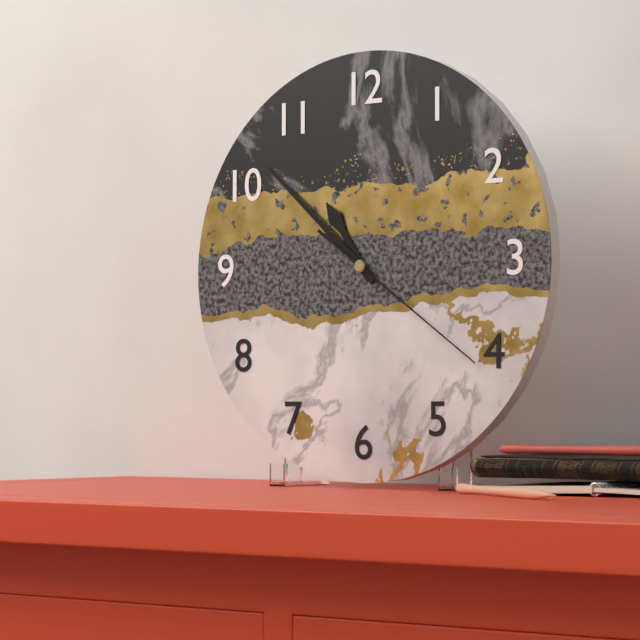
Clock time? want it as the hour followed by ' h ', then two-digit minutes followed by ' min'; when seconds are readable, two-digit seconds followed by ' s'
10 h 52 min 21 s
